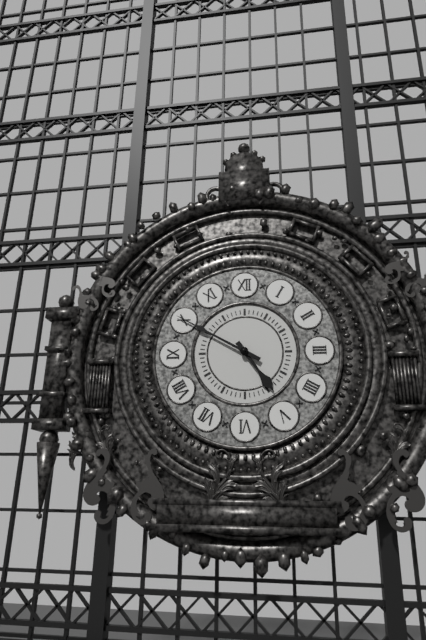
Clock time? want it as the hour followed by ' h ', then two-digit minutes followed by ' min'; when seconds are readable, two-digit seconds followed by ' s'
4 h 50 min
